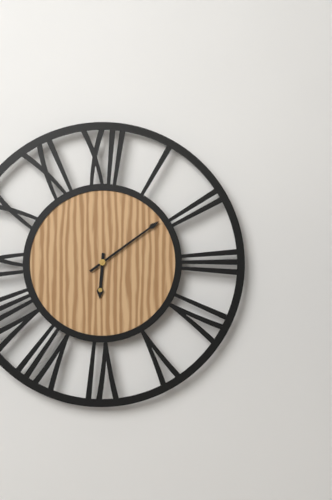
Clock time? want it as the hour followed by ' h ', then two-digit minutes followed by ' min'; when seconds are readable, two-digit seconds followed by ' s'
6 h 09 min
